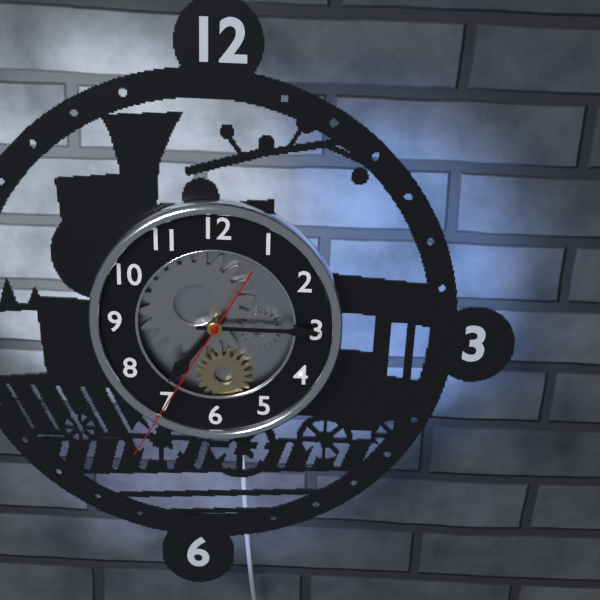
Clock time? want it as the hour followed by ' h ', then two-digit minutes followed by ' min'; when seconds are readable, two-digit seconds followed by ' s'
7 h 15 min 35 s
